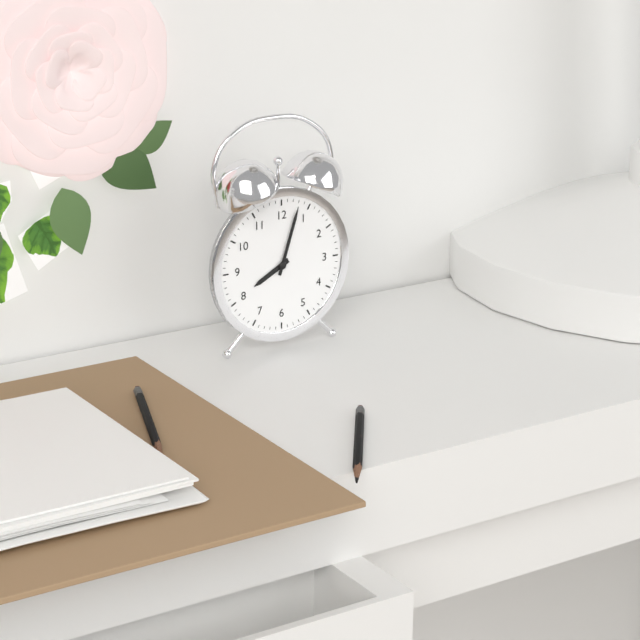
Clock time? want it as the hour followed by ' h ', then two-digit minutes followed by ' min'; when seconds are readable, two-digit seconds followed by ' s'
8 h 03 min
